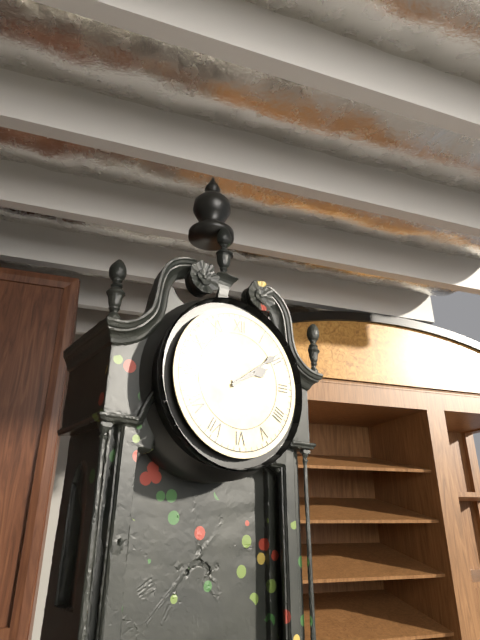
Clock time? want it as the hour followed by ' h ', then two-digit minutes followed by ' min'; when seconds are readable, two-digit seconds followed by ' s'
2 h 09 min
